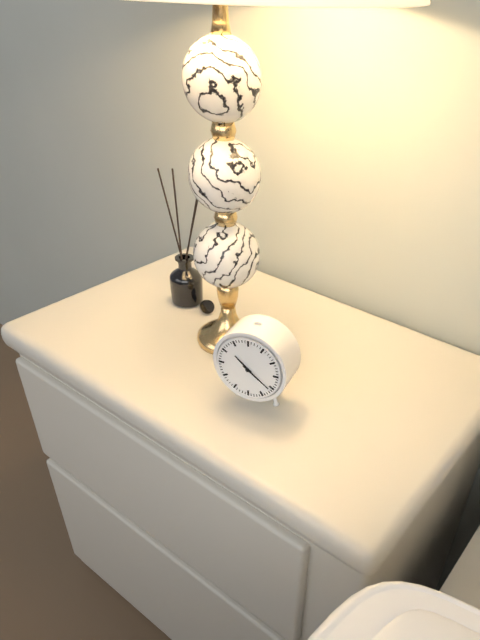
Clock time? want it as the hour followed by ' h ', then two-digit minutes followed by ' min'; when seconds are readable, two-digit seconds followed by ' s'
10 h 21 min
